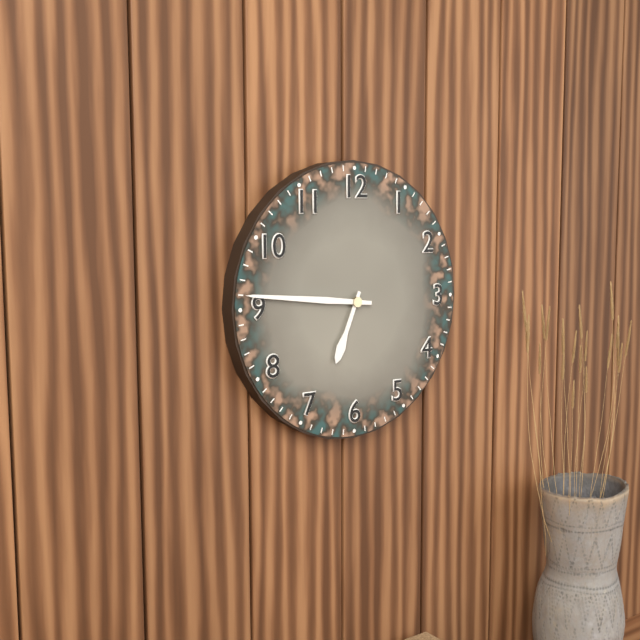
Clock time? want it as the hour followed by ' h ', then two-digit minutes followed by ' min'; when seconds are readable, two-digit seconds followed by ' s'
6 h 46 min
